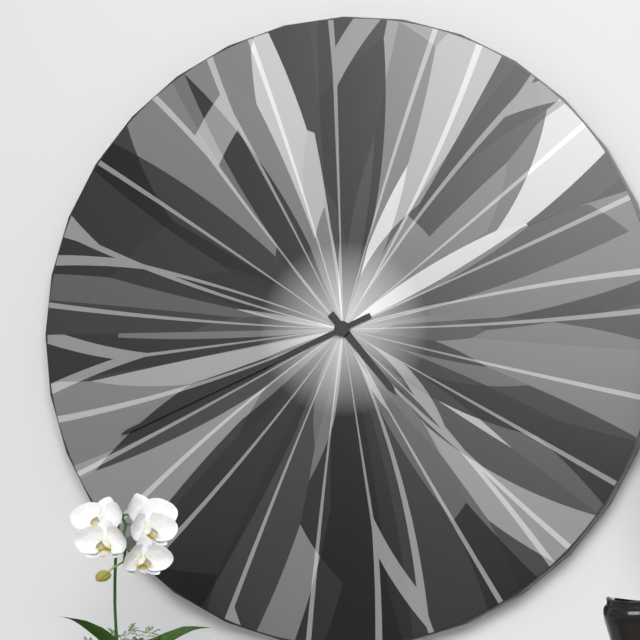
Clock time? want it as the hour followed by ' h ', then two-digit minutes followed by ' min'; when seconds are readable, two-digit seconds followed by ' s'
4 h 41 min
